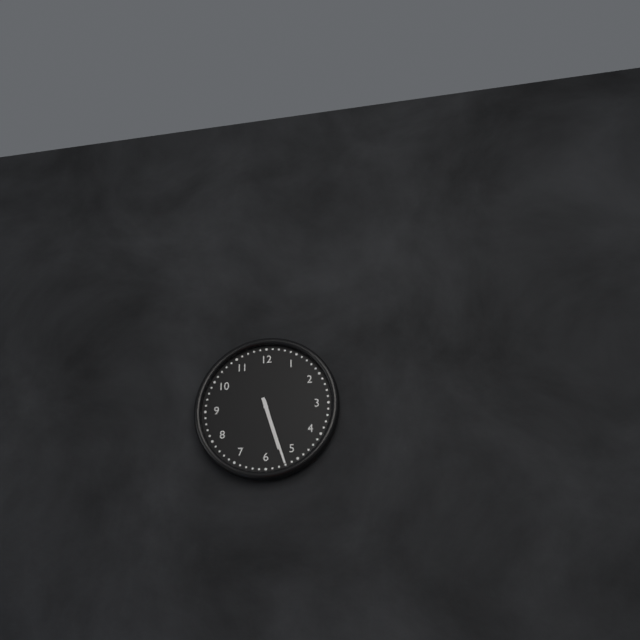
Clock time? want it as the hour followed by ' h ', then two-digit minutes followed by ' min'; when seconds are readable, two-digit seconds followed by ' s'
5 h 27 min
